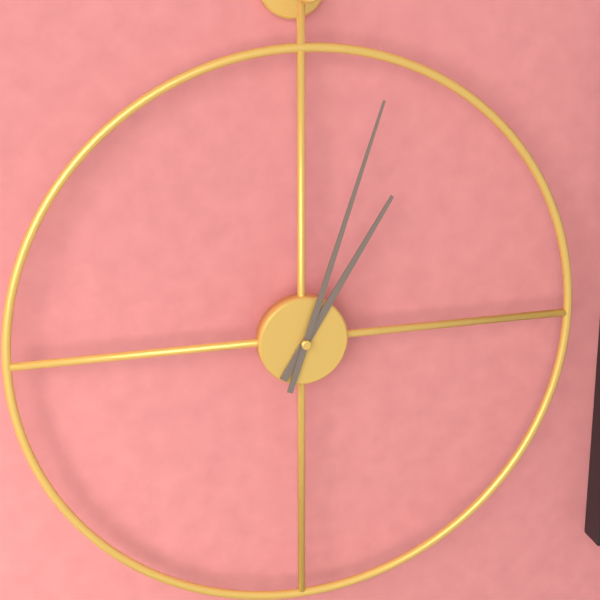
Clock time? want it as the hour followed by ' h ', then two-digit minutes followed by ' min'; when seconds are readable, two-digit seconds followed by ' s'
1 h 03 min
